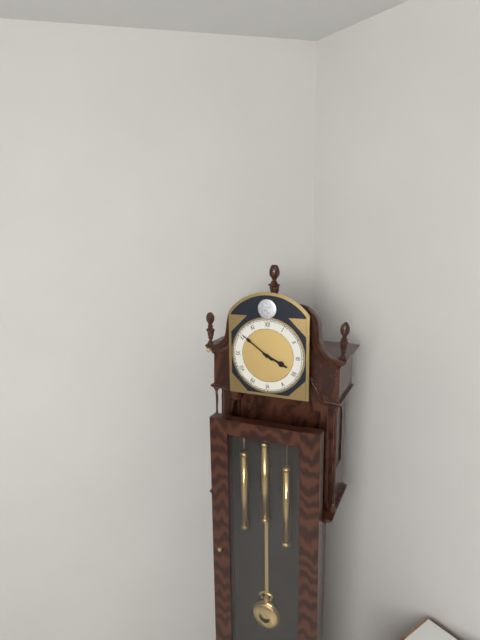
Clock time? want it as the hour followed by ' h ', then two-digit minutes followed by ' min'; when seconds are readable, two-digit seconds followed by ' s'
3 h 51 min
